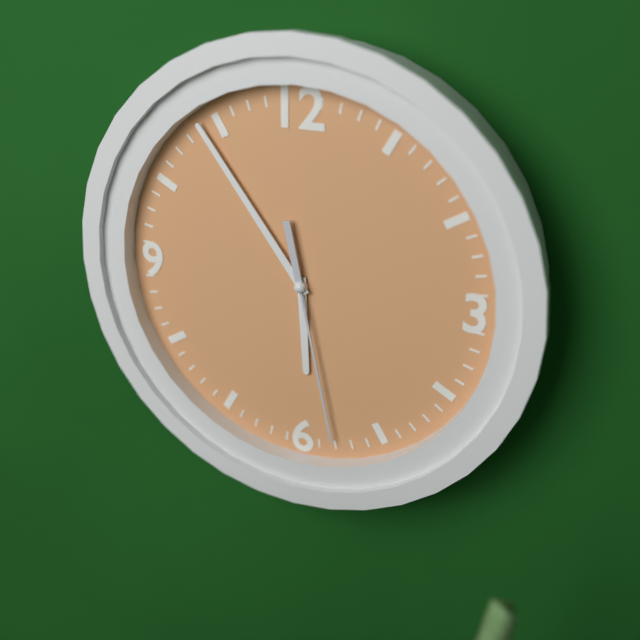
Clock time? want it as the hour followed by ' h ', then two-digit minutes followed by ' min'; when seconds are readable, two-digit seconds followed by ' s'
5 h 54 min 28 s
